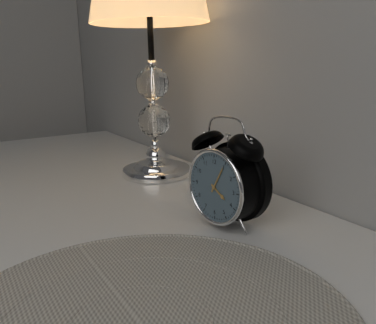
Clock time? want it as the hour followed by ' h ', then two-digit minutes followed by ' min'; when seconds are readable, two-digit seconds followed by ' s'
4 h 05 min
